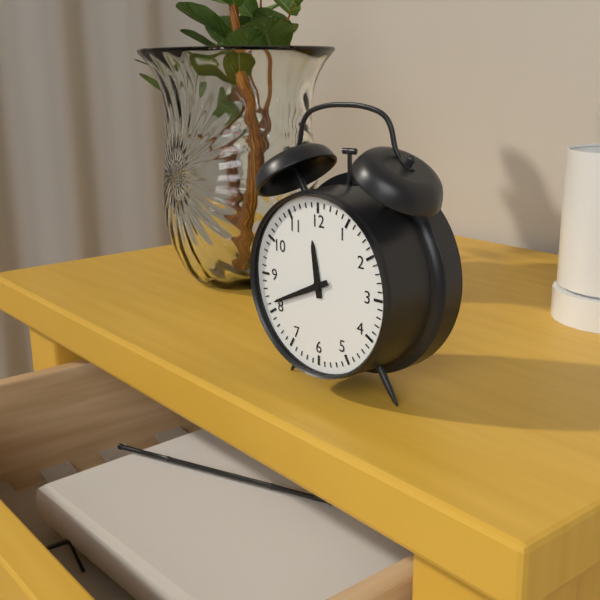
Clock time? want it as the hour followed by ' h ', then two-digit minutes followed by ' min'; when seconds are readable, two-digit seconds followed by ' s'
11 h 41 min
